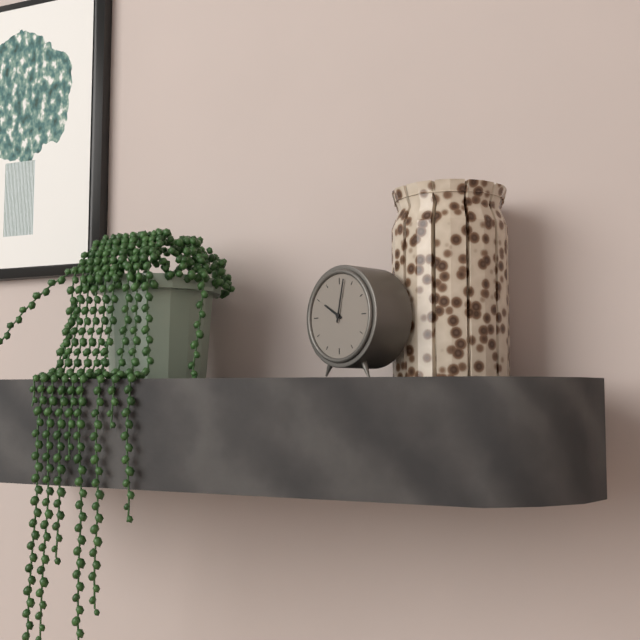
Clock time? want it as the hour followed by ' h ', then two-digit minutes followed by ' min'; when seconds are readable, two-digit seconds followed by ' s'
10 h 02 min
